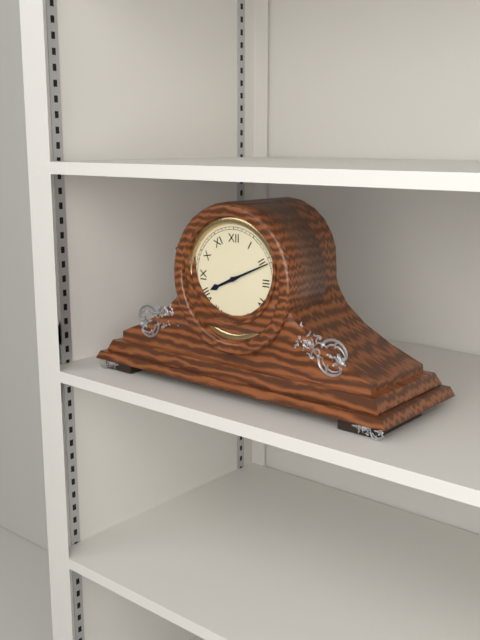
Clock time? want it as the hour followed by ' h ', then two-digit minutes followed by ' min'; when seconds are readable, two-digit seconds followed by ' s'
8 h 11 min
